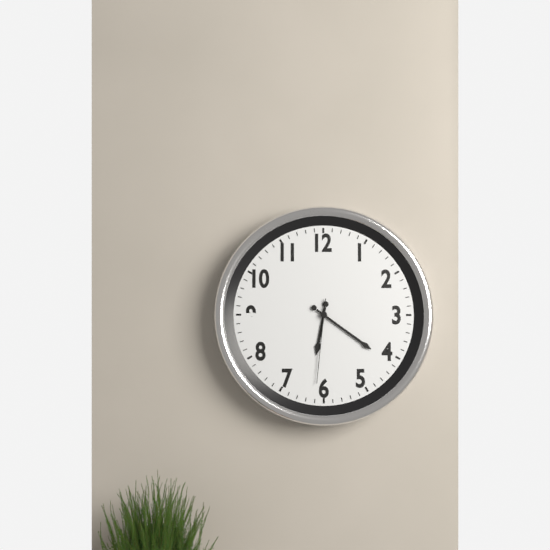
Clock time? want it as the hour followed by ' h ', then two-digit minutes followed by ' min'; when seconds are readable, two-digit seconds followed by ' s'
6 h 21 min 31 s
